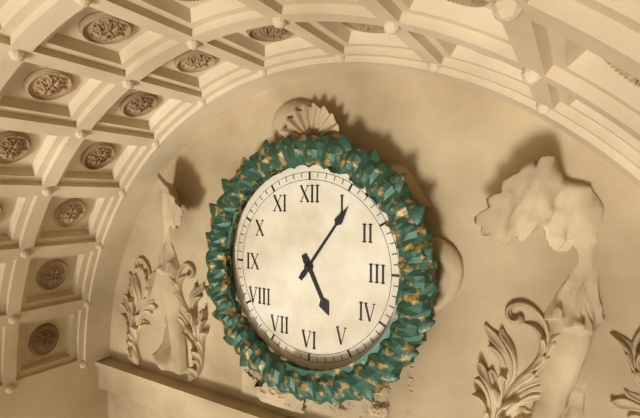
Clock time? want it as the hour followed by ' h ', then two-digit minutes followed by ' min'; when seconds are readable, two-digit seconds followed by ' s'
5 h 06 min
